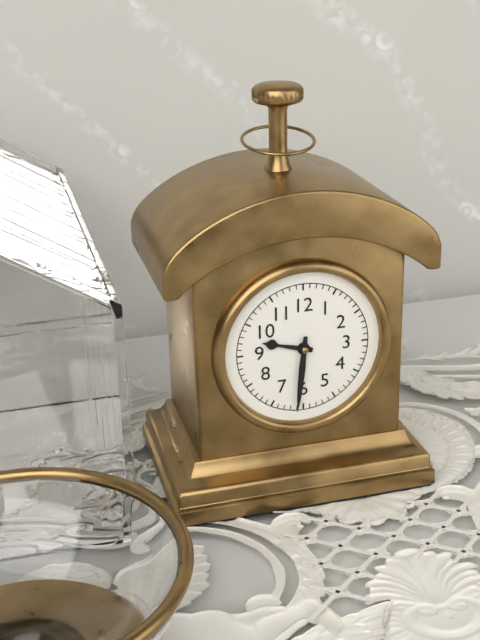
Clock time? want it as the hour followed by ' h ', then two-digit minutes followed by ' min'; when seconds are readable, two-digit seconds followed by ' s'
9 h 31 min
